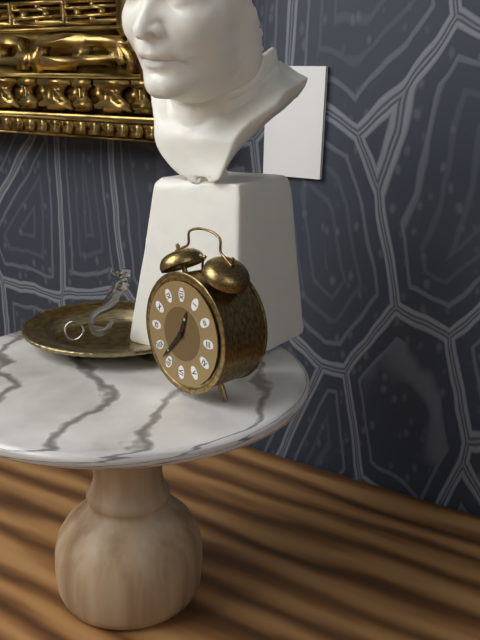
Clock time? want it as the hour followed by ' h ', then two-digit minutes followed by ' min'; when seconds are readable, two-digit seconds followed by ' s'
12 h 37 min
